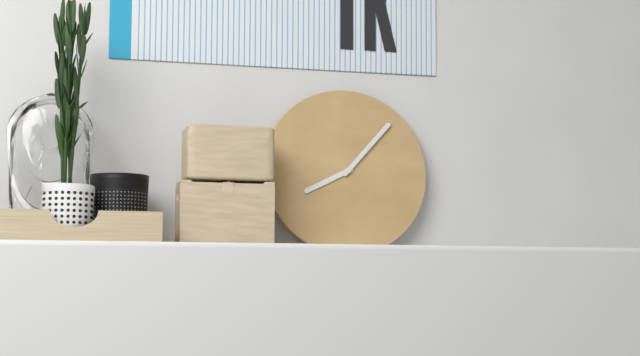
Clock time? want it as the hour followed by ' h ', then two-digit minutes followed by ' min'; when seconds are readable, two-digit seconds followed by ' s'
8 h 07 min
